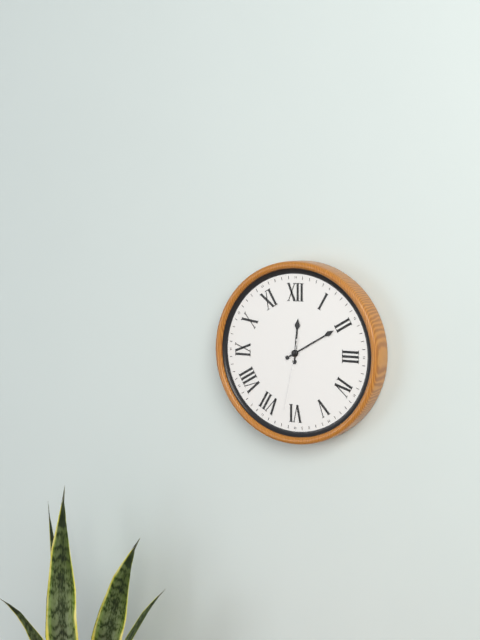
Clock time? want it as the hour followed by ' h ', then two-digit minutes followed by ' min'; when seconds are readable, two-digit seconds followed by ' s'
12 h 10 min 32 s
